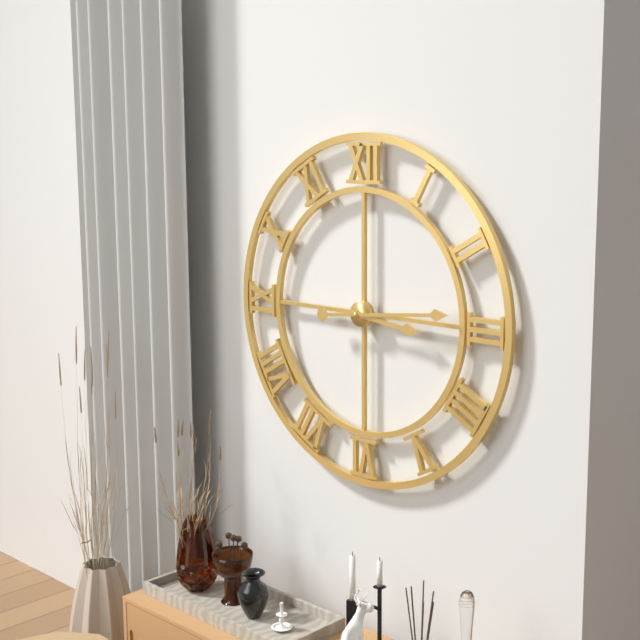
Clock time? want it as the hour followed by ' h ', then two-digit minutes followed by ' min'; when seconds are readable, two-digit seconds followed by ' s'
3 h 14 min
